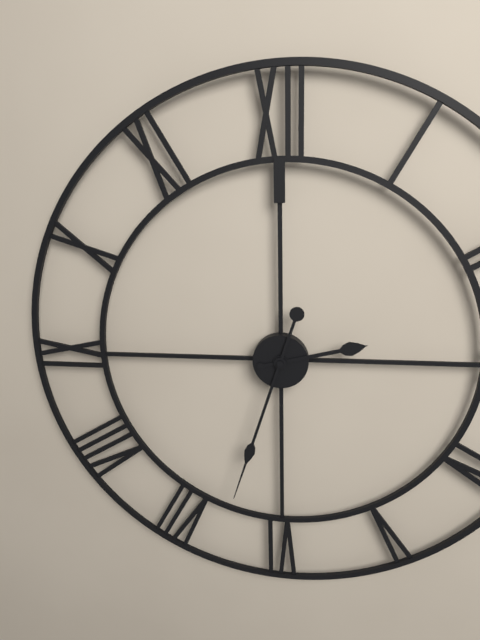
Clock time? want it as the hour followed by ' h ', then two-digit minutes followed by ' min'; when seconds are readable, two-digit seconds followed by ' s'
2 h 33 min
